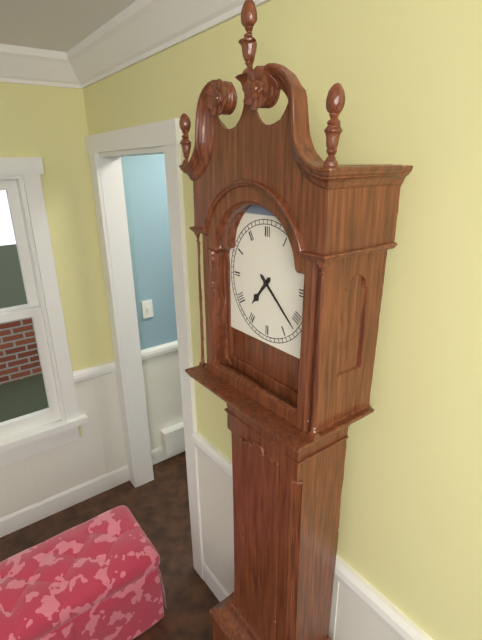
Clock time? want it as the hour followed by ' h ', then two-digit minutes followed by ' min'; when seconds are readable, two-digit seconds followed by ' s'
7 h 22 min
